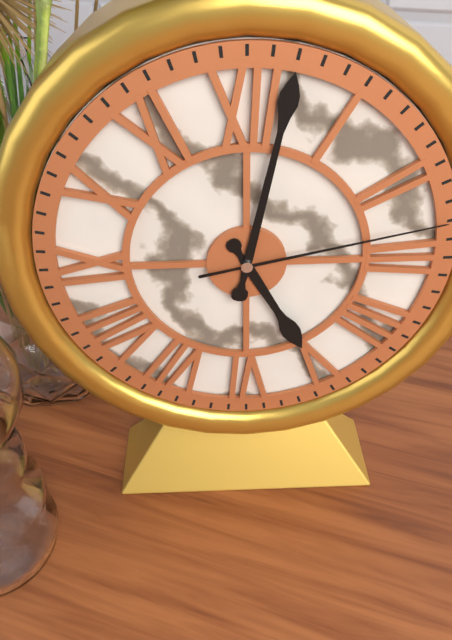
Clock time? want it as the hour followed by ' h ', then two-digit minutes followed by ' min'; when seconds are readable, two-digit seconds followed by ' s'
5 h 02 min 13 s
